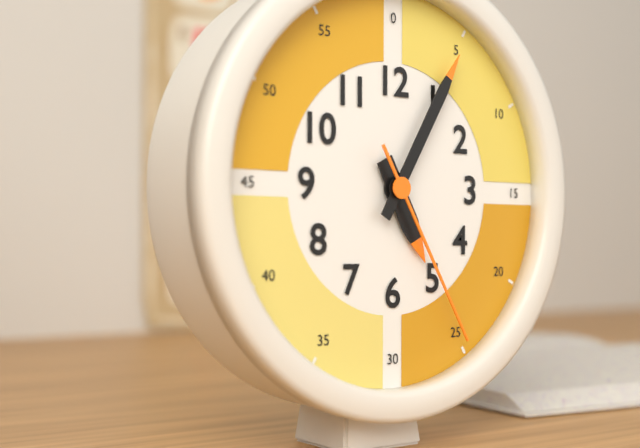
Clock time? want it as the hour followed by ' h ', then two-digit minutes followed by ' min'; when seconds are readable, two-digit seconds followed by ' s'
5 h 05 min 25 s
